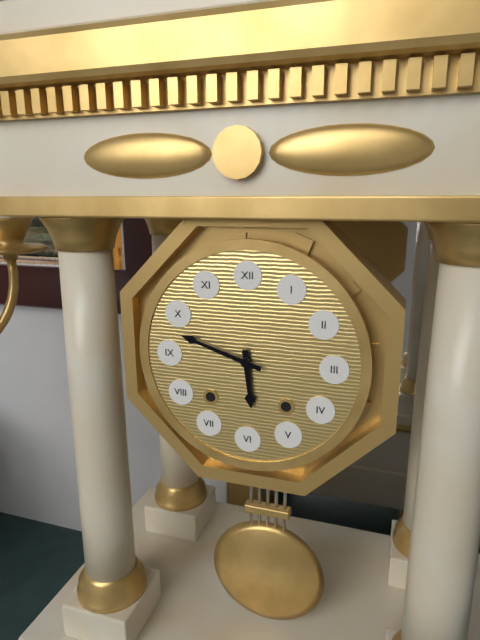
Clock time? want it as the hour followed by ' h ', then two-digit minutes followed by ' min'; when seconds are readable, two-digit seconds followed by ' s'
5 h 48 min
